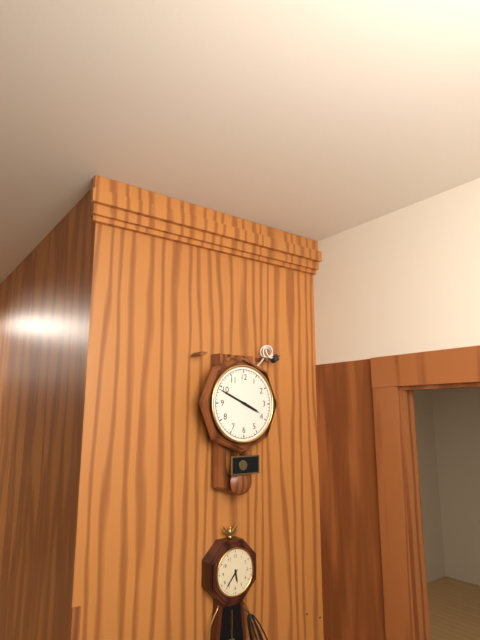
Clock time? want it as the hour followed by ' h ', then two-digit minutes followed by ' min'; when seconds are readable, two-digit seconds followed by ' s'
3 h 49 min
